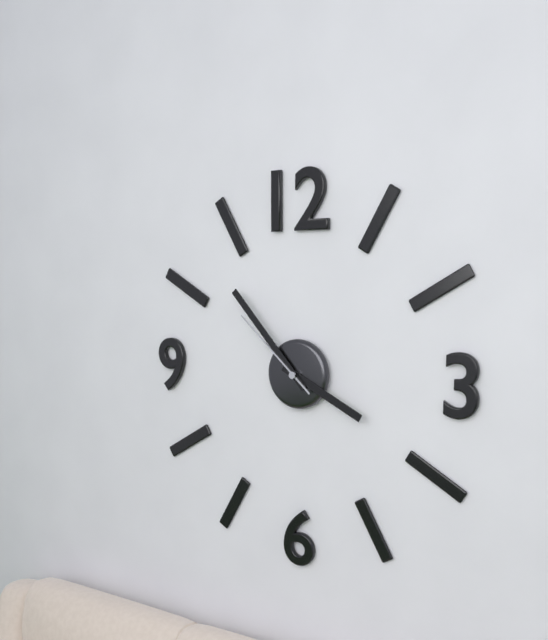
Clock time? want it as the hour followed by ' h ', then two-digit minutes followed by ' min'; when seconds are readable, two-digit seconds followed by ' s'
3 h 53 min 52 s
